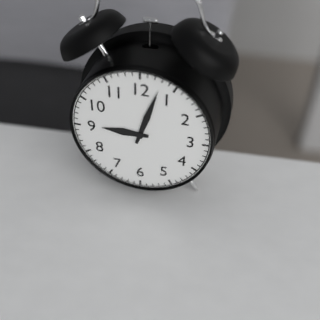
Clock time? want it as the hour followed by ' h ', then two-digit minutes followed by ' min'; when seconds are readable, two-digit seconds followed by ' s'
9 h 03 min
